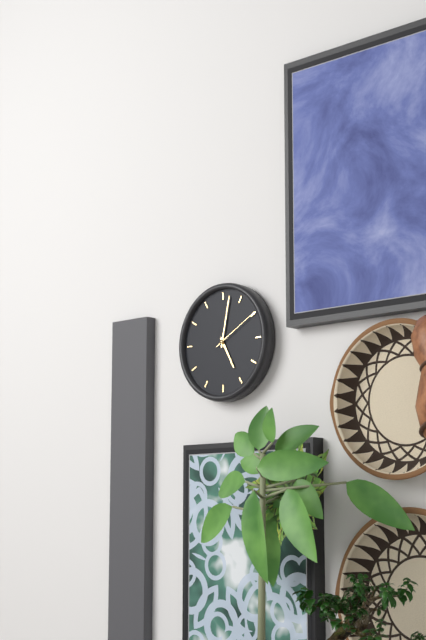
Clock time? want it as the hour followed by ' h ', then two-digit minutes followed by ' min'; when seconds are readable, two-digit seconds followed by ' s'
5 h 02 min 10 s
